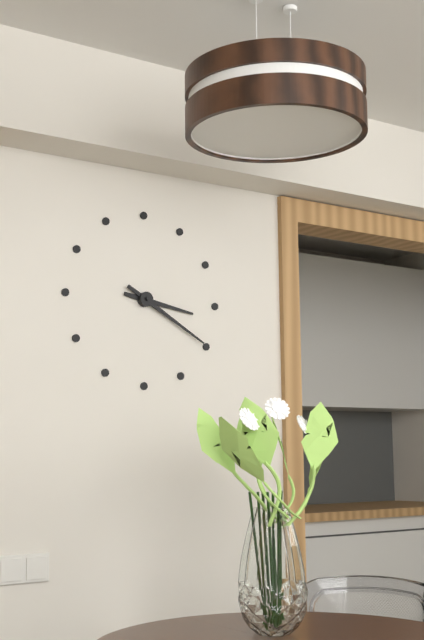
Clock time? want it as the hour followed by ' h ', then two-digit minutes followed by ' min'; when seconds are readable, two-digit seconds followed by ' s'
3 h 20 min
